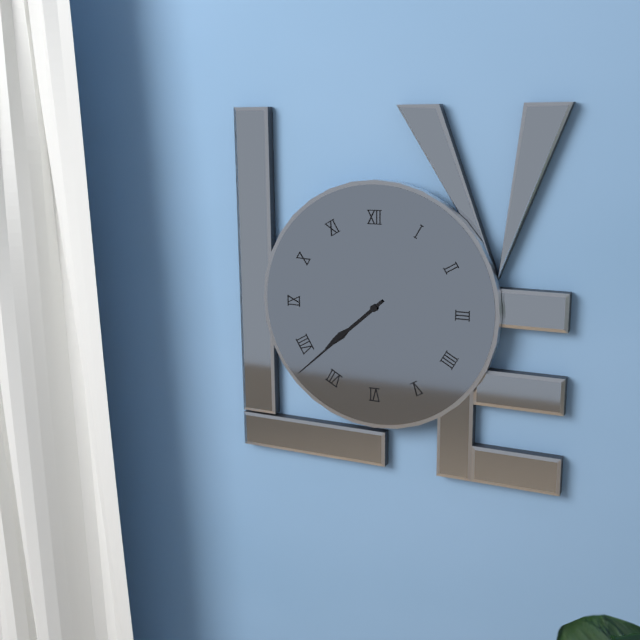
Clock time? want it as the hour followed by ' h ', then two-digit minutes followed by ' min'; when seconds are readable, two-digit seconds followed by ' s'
7 h 38 min
